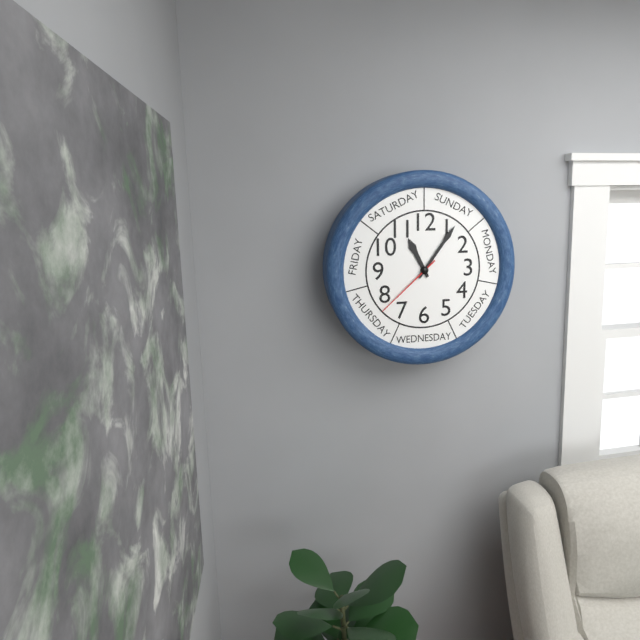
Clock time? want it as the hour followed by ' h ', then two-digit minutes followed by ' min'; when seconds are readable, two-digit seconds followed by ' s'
11 h 06 min 38 s
